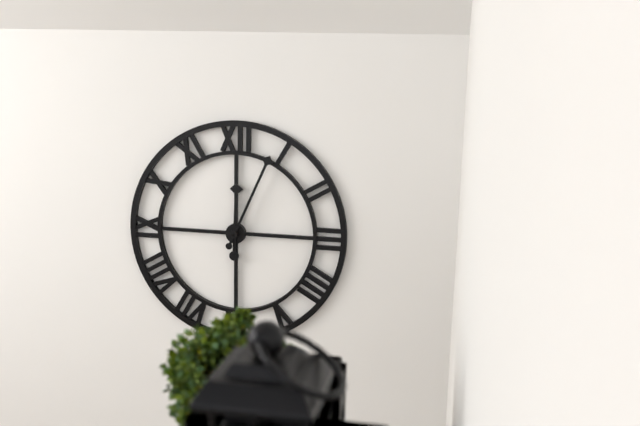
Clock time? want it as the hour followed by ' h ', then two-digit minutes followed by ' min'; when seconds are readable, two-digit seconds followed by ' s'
12 h 04 min
